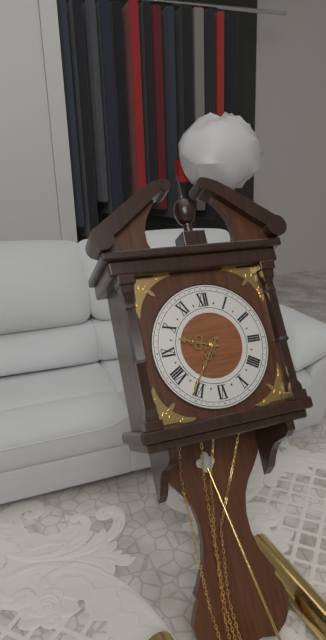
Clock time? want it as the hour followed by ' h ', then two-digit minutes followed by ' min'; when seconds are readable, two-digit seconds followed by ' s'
9 h 36 min
